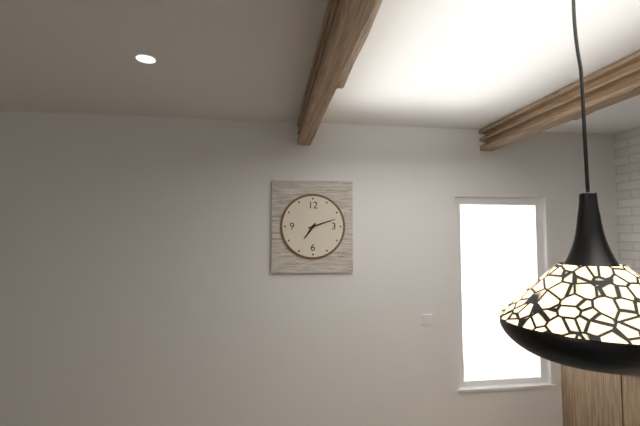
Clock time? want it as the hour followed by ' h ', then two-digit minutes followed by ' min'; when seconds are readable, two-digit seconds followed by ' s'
7 h 12 min
